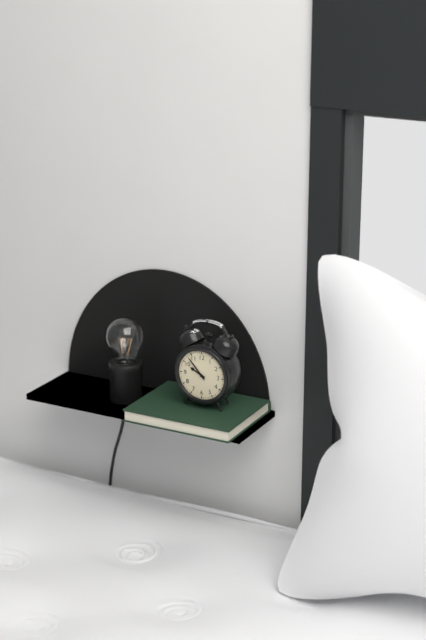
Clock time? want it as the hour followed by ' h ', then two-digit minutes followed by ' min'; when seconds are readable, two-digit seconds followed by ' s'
9 h 53 min
